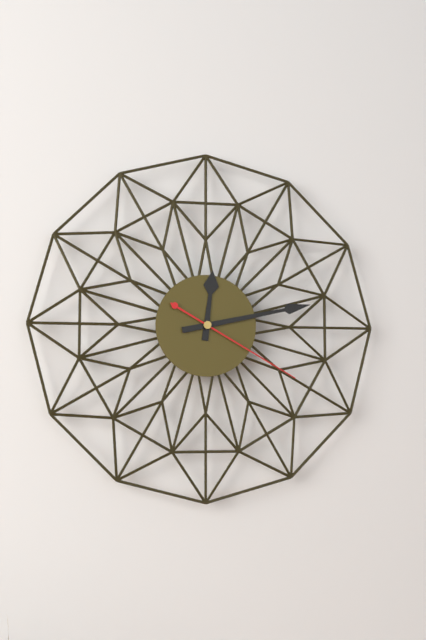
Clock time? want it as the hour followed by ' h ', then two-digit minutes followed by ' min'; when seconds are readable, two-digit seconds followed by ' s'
12 h 13 min 20 s
